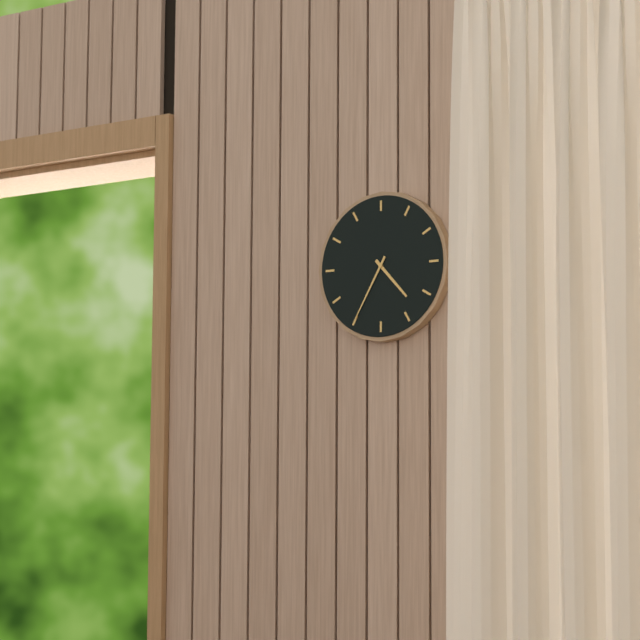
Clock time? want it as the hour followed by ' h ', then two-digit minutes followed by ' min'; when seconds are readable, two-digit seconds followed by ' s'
4 h 35 min
